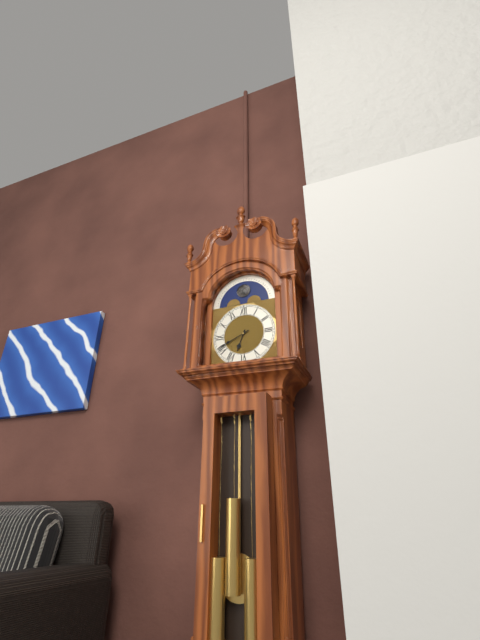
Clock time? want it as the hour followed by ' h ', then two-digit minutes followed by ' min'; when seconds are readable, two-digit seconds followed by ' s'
6 h 41 min
